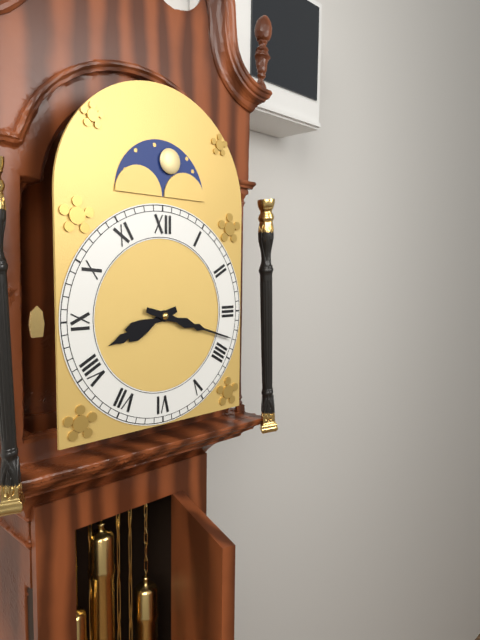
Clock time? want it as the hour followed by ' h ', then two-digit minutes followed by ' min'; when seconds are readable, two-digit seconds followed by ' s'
8 h 18 min
